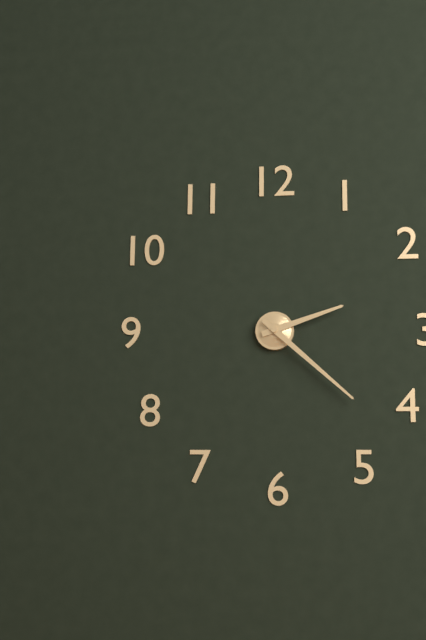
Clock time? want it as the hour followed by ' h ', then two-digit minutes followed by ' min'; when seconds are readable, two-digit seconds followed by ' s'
2 h 22 min
